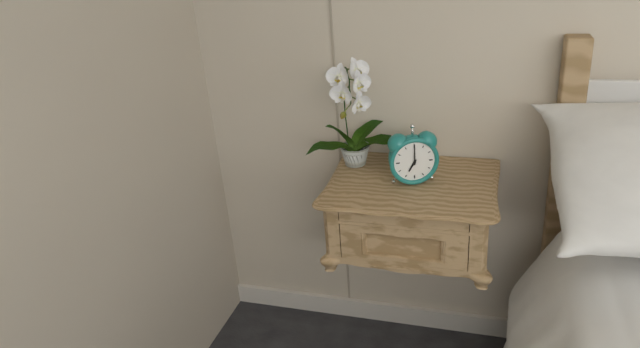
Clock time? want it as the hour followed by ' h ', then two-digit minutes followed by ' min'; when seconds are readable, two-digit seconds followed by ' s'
7 h 00 min
